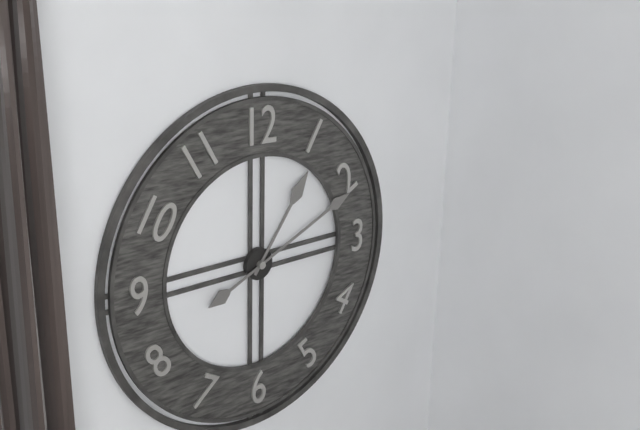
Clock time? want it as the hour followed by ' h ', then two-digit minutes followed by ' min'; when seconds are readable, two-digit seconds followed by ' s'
1 h 11 min
